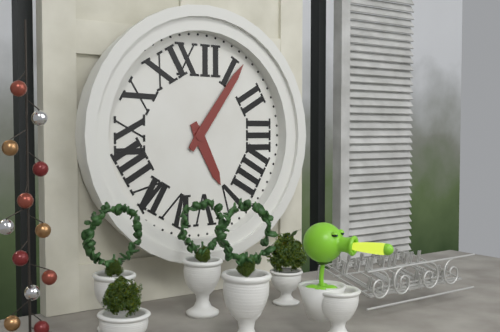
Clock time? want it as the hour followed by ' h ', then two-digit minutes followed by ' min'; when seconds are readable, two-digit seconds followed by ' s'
5 h 06 min
